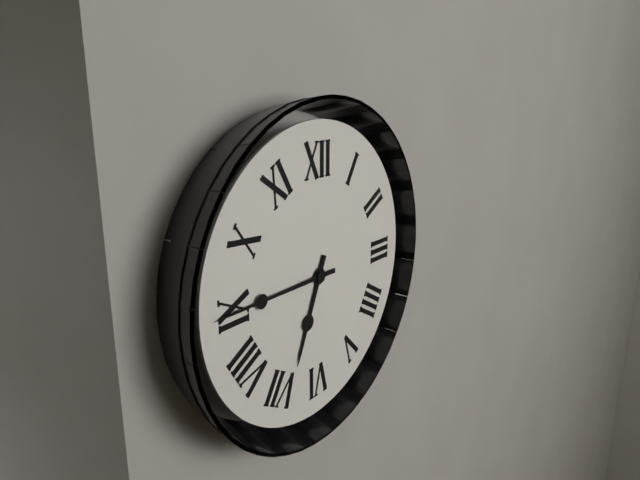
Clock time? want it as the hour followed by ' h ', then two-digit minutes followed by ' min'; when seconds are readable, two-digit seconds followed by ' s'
6 h 45 min
